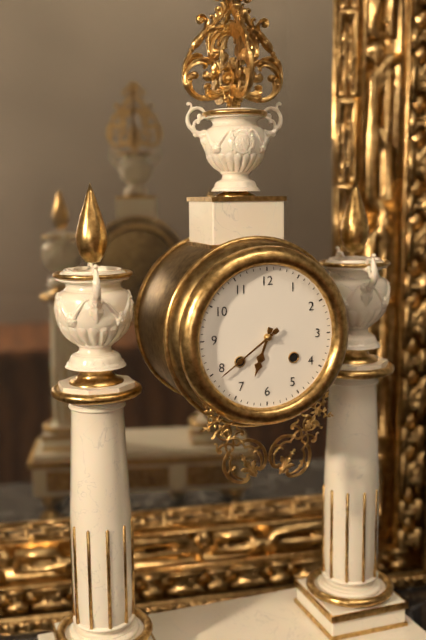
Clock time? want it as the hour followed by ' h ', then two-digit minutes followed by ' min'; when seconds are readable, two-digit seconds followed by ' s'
6 h 39 min
